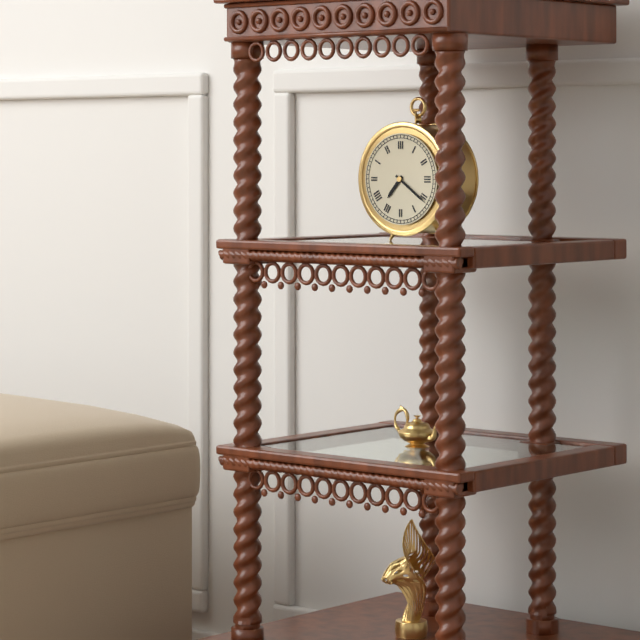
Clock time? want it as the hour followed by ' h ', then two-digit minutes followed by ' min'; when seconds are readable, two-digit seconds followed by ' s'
7 h 21 min
